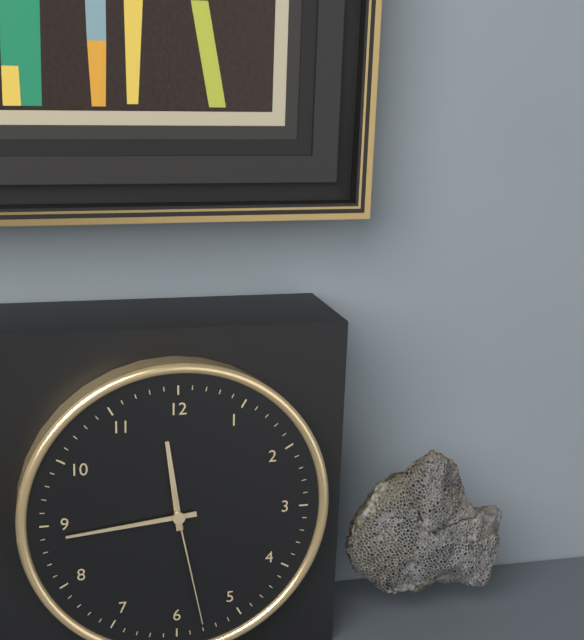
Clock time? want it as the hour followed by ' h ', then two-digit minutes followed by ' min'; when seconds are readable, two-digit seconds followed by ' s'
11 h 44 min 28 s
